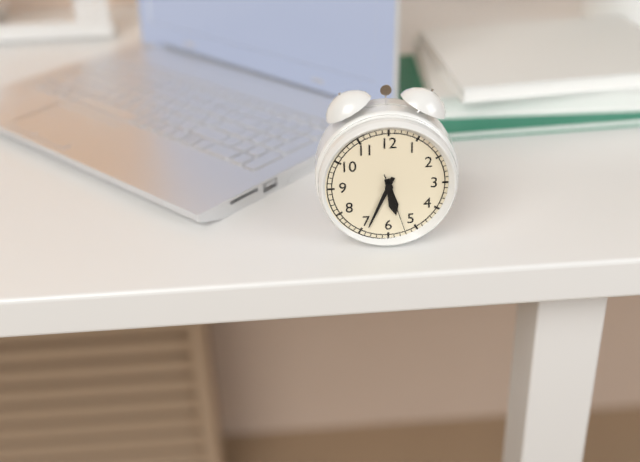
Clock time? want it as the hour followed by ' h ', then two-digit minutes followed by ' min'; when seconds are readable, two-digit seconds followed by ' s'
5 h 34 min 27 s
